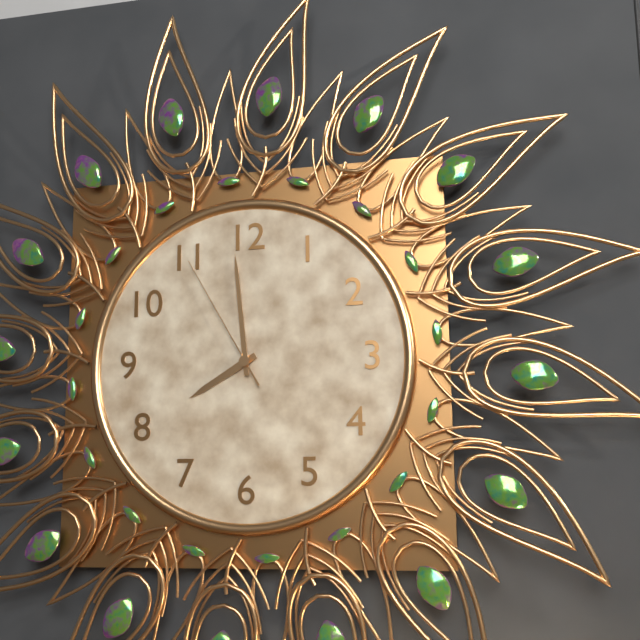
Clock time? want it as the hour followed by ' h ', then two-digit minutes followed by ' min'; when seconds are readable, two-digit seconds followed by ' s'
7 h 59 min 55 s
